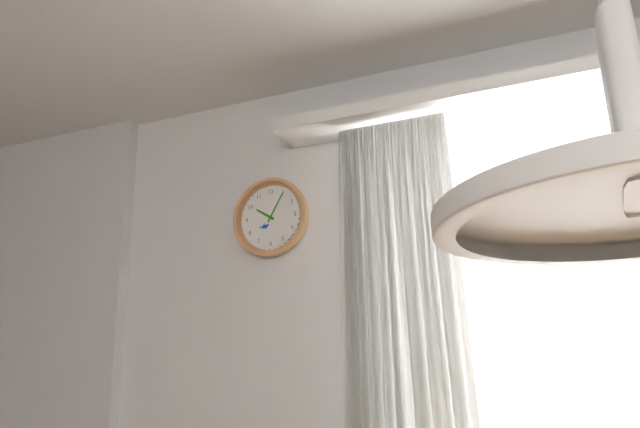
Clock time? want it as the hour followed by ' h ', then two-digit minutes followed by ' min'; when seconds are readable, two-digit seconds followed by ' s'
10 h 05 min
